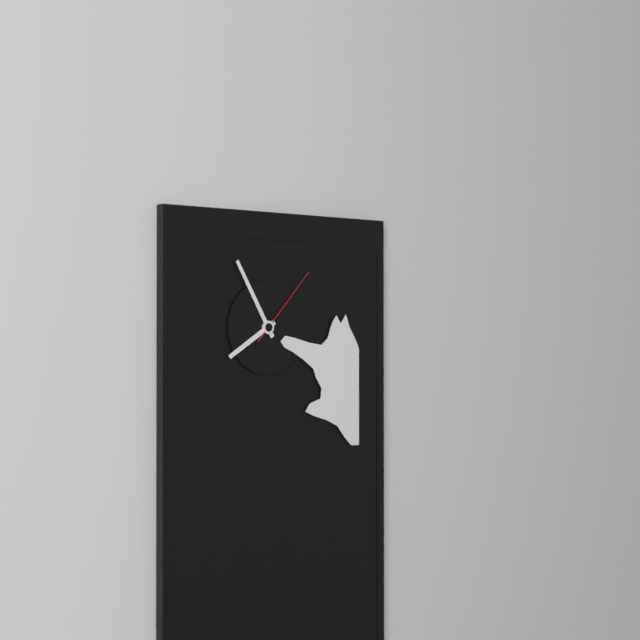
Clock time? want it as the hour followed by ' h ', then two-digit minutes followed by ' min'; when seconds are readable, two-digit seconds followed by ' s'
7 h 55 min 07 s
